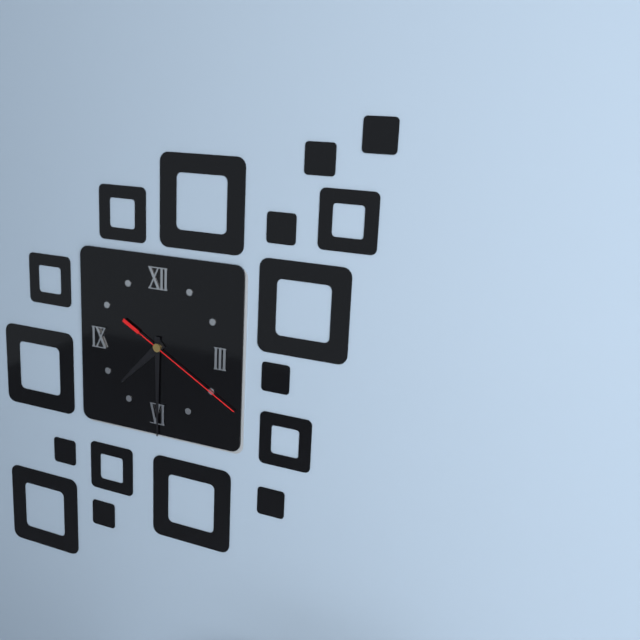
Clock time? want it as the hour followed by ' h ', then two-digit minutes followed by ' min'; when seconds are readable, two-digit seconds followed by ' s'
7 h 30 min 20 s
